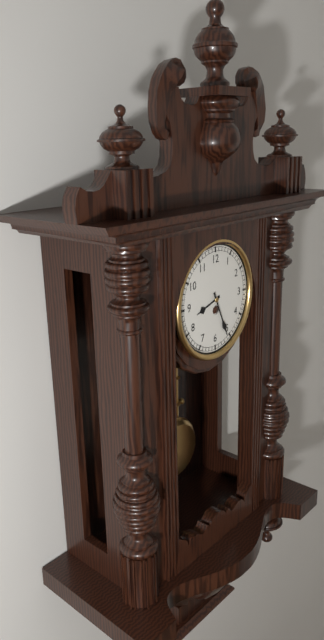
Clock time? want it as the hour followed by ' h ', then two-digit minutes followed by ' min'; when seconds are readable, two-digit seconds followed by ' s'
8 h 26 min
